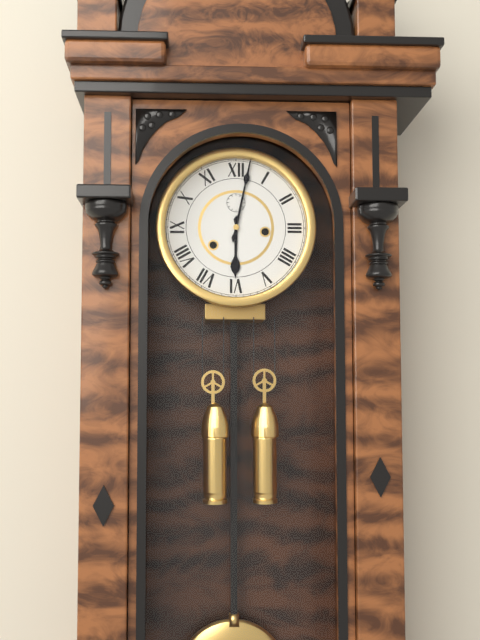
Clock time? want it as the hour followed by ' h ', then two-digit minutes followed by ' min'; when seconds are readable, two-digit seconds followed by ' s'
6 h 02 min
